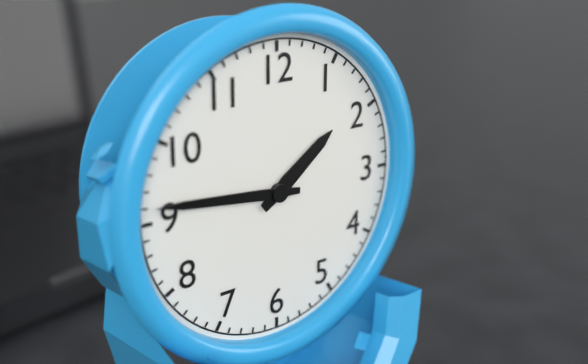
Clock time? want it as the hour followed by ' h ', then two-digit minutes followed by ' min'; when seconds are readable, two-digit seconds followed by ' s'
1 h 46 min
